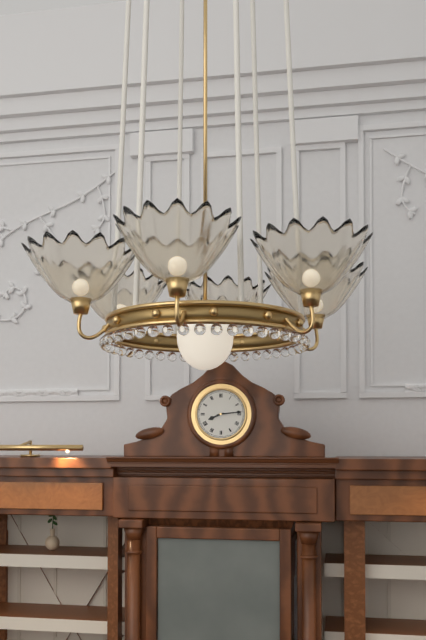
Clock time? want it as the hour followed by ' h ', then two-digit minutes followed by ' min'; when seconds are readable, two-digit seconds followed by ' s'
8 h 14 min
